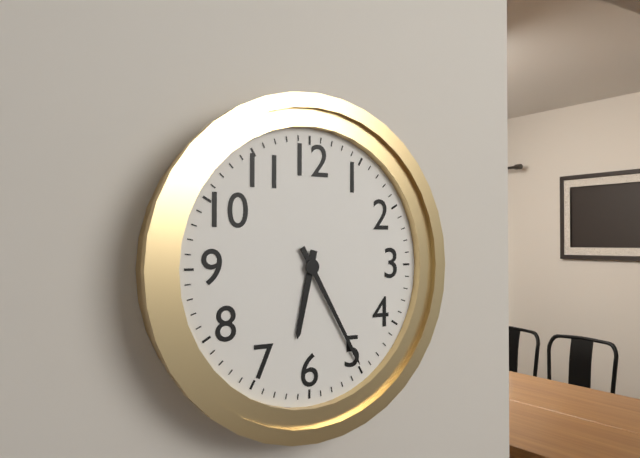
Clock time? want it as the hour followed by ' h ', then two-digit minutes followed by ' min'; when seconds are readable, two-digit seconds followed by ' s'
6 h 25 min
